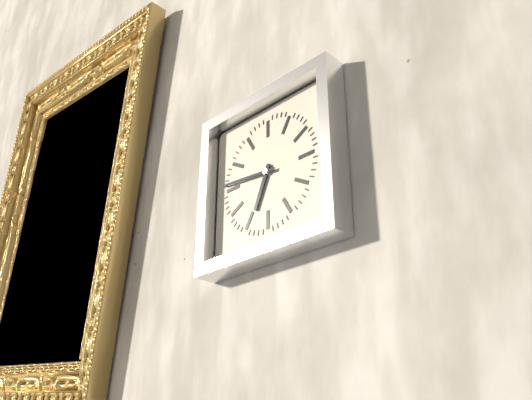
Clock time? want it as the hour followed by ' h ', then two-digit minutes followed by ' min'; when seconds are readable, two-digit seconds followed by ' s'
6 h 46 min
